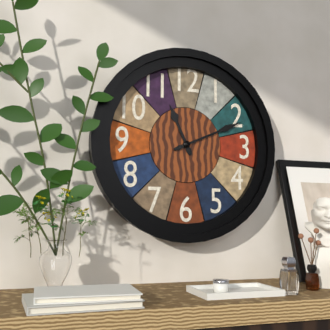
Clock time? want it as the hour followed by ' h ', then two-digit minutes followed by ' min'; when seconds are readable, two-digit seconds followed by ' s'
11 h 11 min
